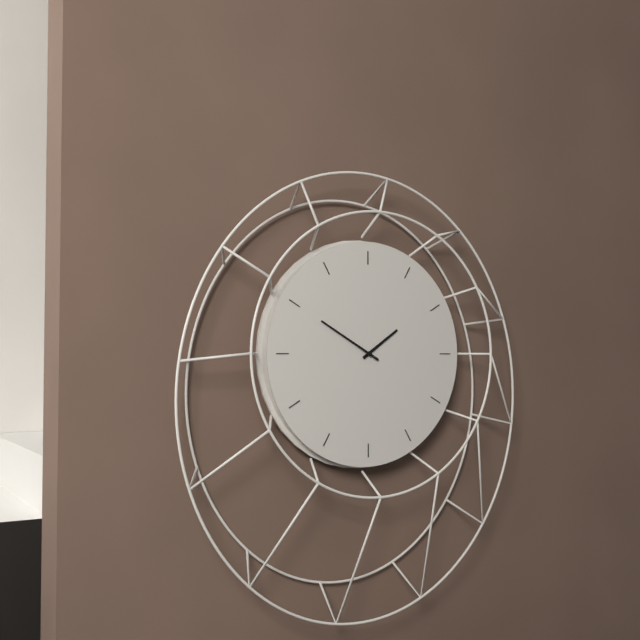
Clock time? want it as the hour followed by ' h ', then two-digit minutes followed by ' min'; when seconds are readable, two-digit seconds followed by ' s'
1 h 50 min
